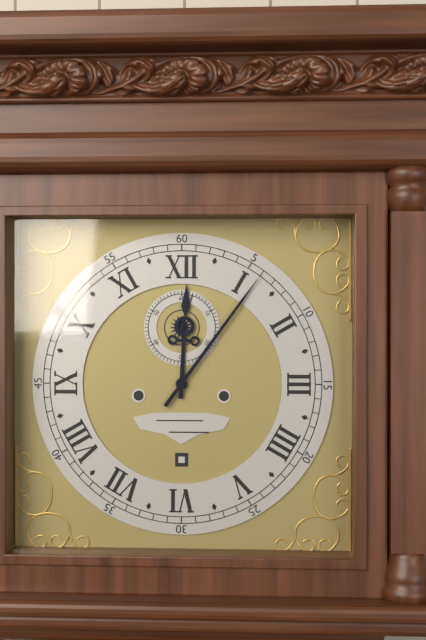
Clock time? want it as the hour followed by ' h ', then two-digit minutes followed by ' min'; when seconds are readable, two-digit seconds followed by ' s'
12 h 06 min
